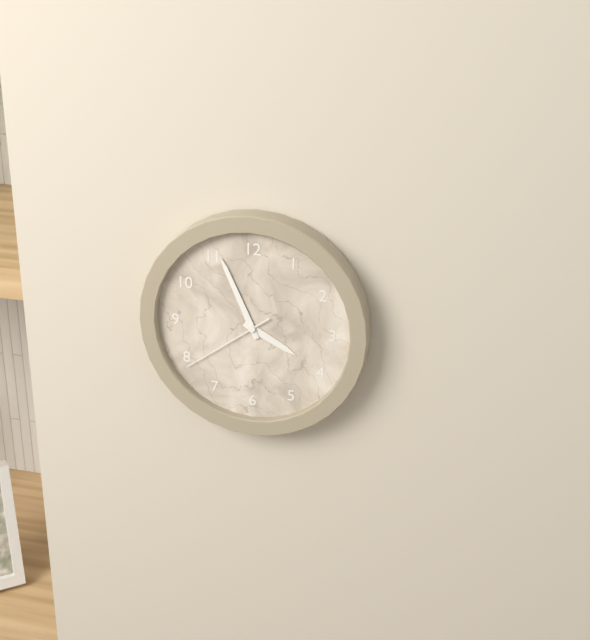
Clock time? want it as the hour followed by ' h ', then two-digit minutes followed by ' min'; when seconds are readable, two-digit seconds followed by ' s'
3 h 56 min 39 s
